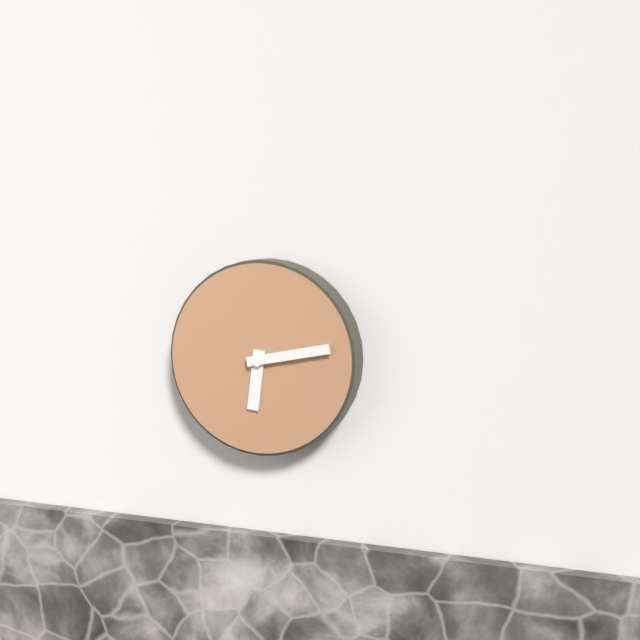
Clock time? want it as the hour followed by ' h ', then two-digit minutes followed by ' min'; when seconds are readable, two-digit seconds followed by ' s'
6 h 13 min
